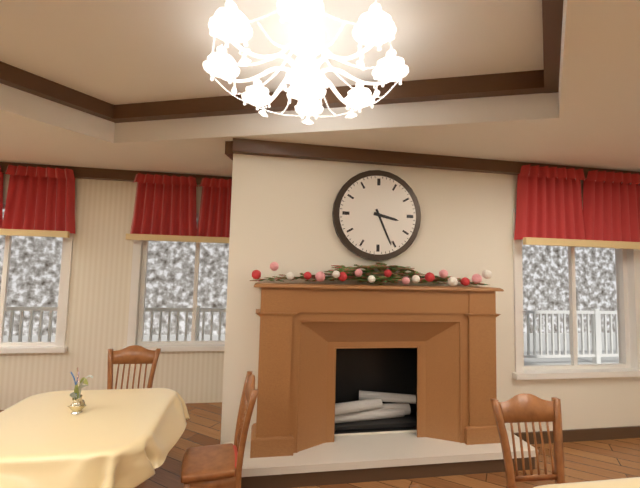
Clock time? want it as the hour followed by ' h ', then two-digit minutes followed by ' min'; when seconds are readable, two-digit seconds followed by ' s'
3 h 26 min
